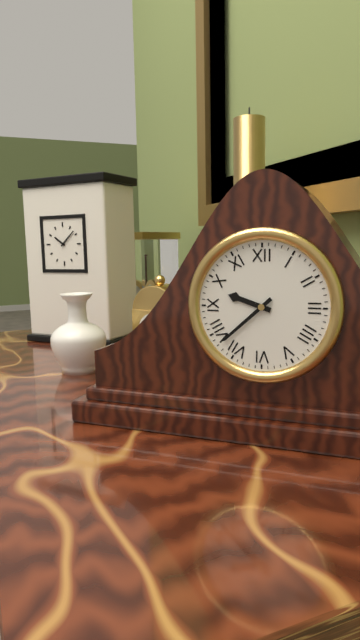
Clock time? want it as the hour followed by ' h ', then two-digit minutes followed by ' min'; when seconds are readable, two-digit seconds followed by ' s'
9 h 38 min
